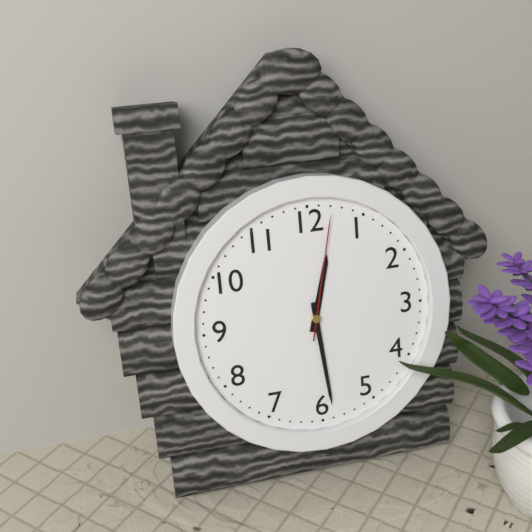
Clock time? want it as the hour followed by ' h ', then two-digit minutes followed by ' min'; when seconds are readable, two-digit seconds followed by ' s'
12 h 29 min 02 s
